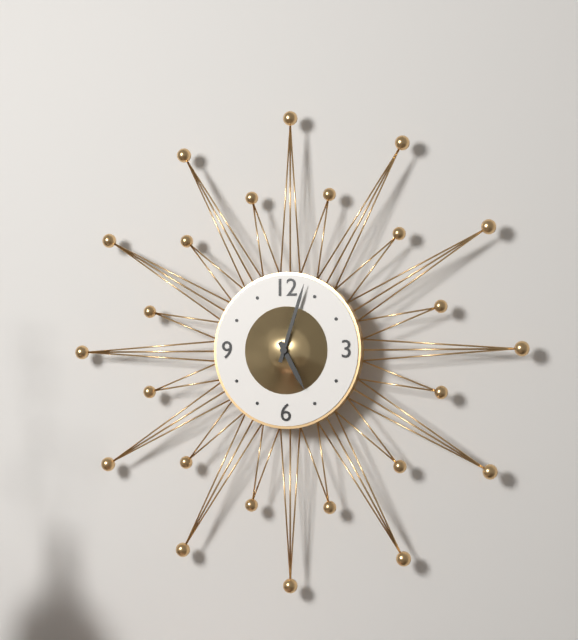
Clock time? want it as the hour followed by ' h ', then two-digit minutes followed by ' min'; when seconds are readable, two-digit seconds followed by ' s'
5 h 03 min
